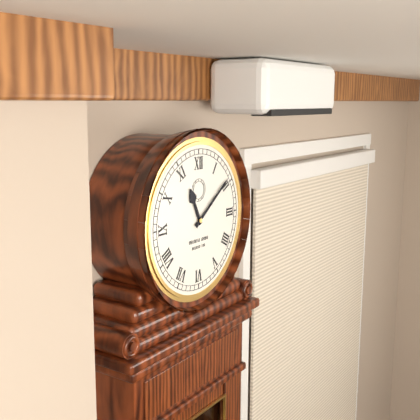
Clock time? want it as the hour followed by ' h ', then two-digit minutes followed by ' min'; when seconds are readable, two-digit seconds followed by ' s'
11 h 09 min
